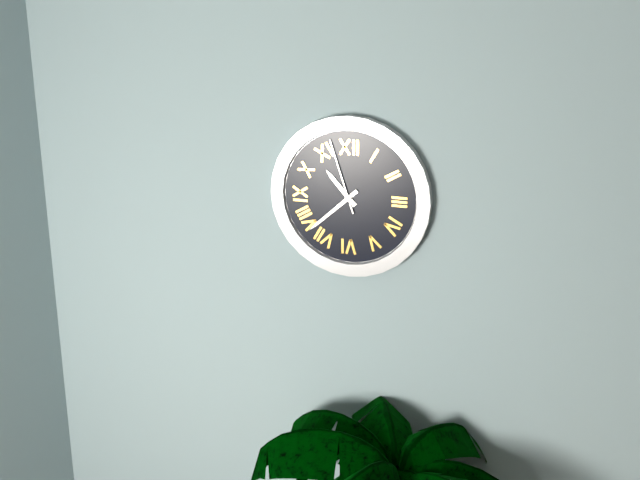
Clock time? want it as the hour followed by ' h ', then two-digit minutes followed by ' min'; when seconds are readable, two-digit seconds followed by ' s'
10 h 38 min 57 s
